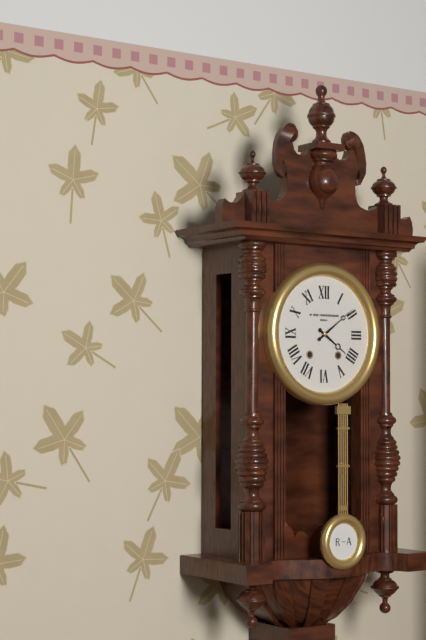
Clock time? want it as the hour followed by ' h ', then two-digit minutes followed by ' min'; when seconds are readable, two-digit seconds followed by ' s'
4 h 09 min
